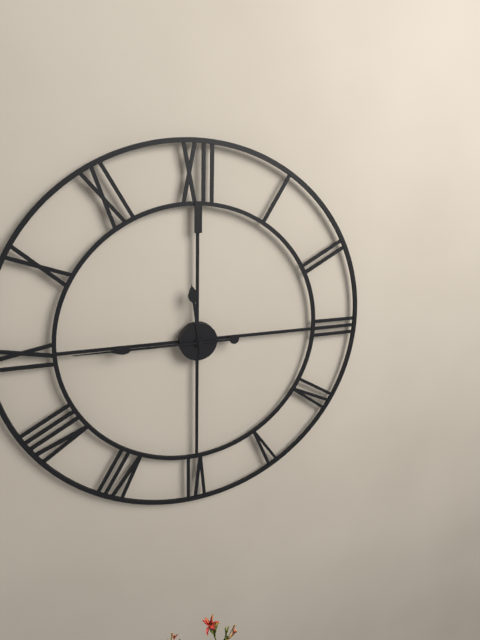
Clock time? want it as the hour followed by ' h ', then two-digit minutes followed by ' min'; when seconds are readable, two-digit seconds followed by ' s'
11 h 45 min
